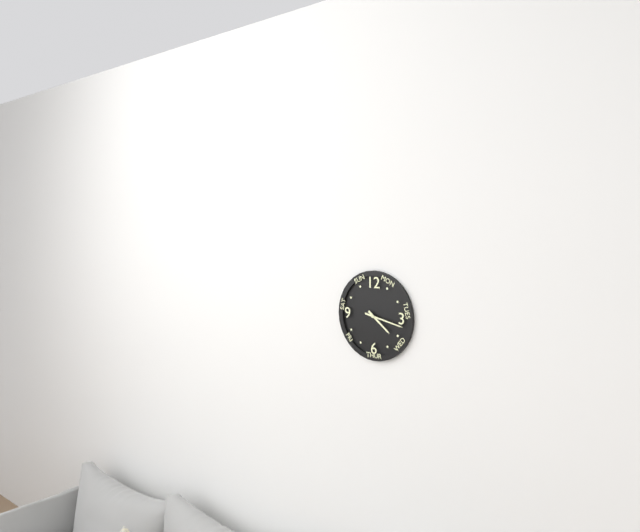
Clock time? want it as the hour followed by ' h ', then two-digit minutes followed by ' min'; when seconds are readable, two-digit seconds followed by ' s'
4 h 17 min
